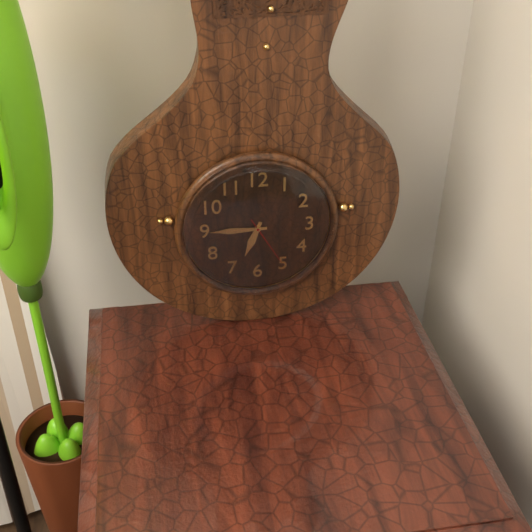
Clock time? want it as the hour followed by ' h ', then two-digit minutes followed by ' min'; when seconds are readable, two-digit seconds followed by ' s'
6 h 45 min 25 s
